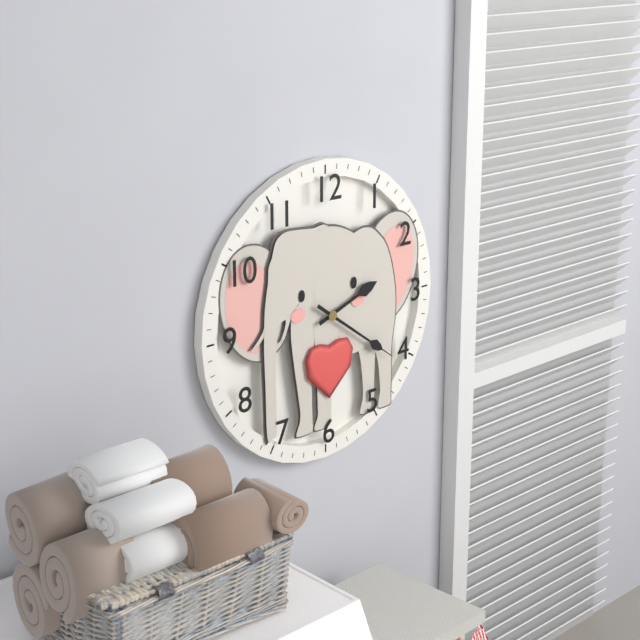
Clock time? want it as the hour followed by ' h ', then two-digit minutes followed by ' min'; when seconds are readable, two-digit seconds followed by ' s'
2 h 21 min
